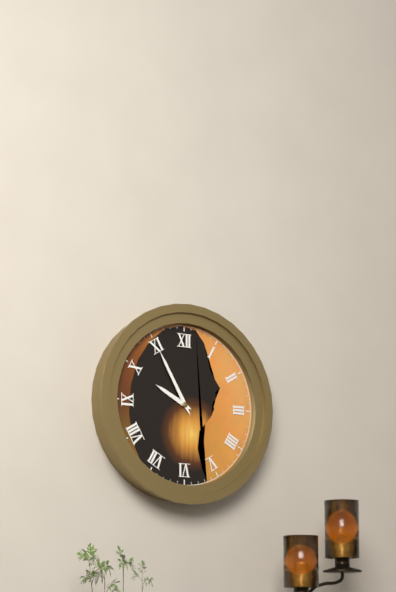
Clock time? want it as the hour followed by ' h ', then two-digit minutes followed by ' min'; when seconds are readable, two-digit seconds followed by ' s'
9 h 55 min
